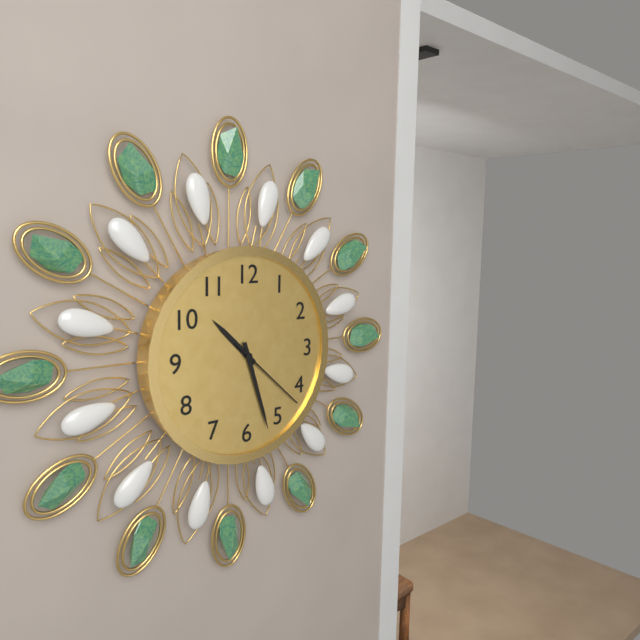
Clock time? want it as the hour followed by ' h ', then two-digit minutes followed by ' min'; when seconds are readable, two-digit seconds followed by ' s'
10 h 27 min 22 s
